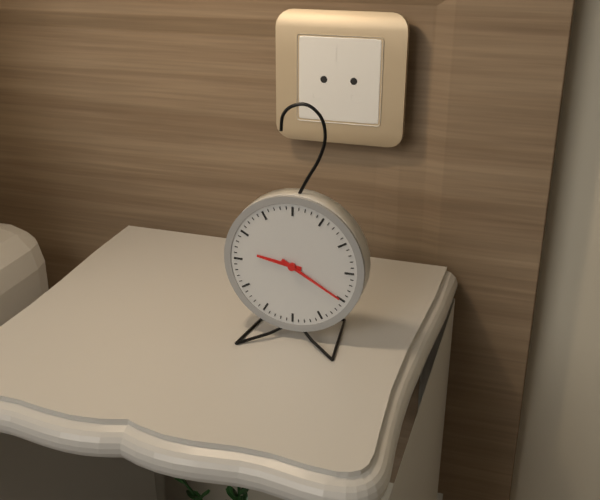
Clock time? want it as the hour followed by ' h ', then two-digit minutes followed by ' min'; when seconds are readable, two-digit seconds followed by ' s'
9 h 20 min
